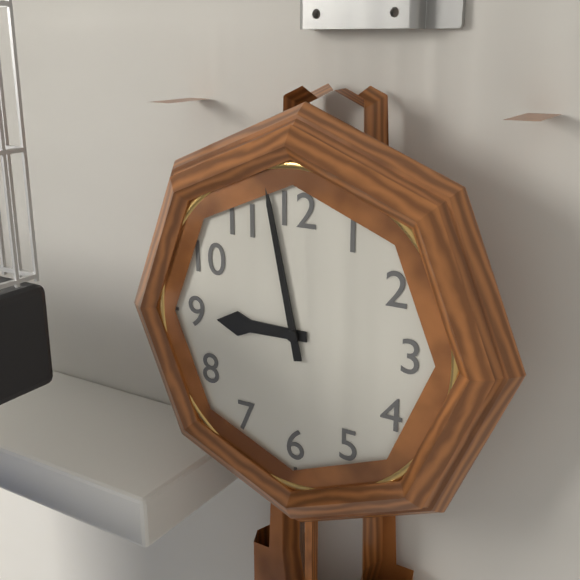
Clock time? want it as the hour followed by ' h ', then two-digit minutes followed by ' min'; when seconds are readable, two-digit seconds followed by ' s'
8 h 58 min
